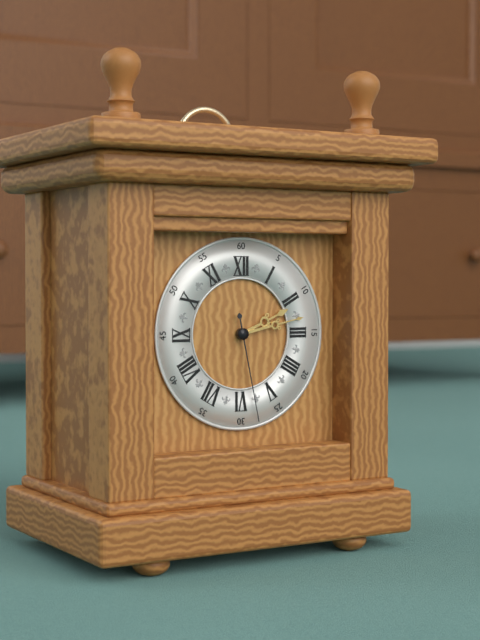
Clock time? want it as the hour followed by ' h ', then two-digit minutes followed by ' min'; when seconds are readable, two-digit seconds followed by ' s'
2 h 13 min 28 s
